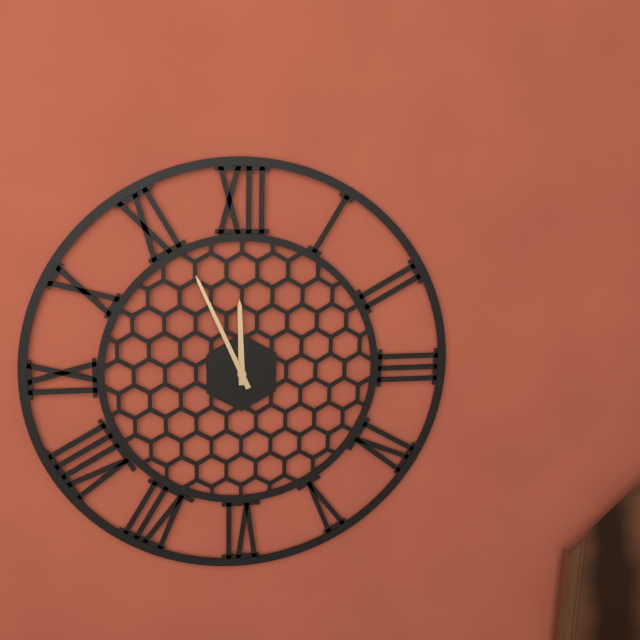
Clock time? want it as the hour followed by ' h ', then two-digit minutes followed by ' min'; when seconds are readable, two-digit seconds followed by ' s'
11 h 56 min
